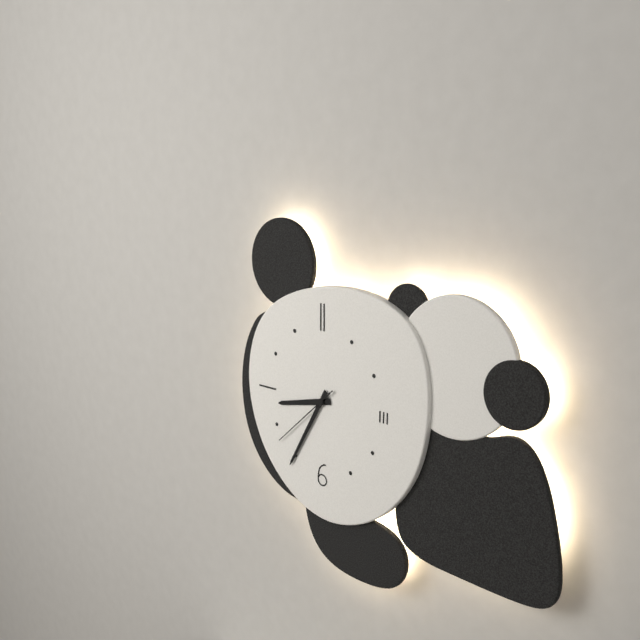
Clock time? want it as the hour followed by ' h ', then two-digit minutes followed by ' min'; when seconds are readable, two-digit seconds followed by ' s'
8 h 35 min 38 s
